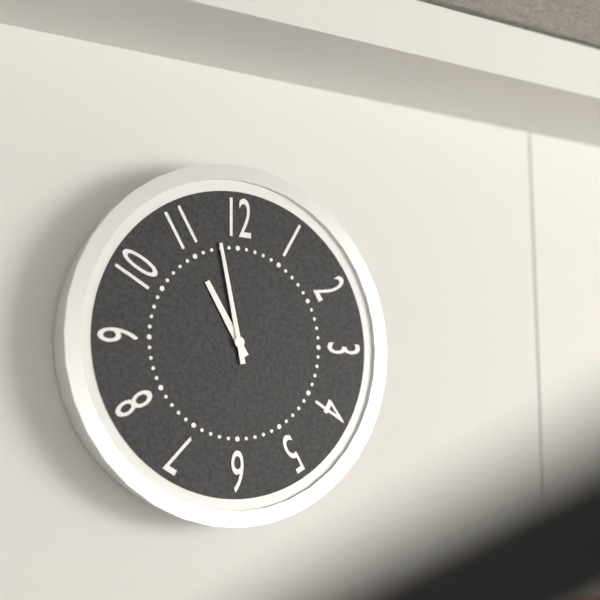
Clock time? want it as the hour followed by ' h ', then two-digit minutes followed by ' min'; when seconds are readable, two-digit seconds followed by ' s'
10 h 58 min
